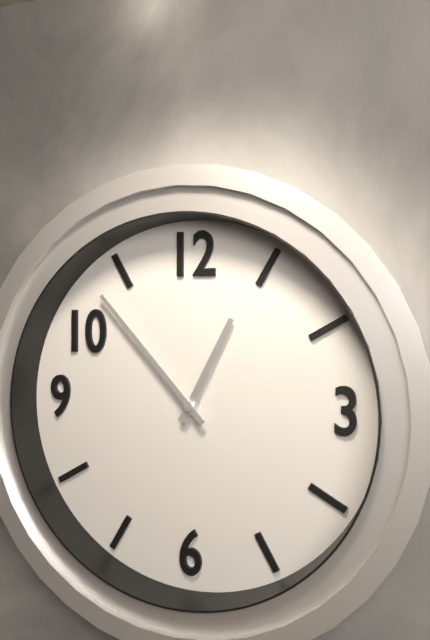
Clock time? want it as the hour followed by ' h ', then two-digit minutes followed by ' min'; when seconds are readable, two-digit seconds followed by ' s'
12 h 53 min
